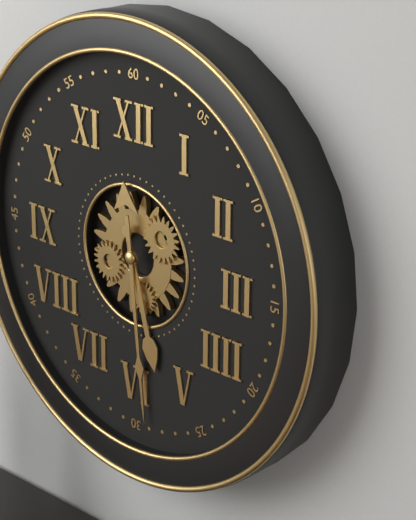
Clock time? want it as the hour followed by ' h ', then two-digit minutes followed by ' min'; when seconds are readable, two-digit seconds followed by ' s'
5 h 29 min
